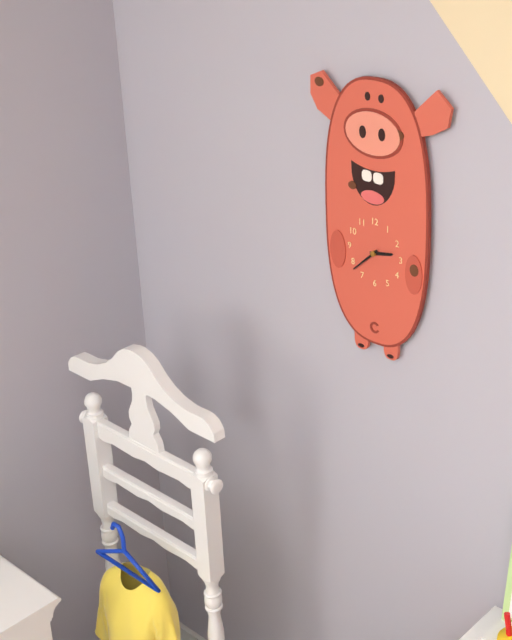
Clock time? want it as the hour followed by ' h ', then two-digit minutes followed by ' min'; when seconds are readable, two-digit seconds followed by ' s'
2 h 38 min
